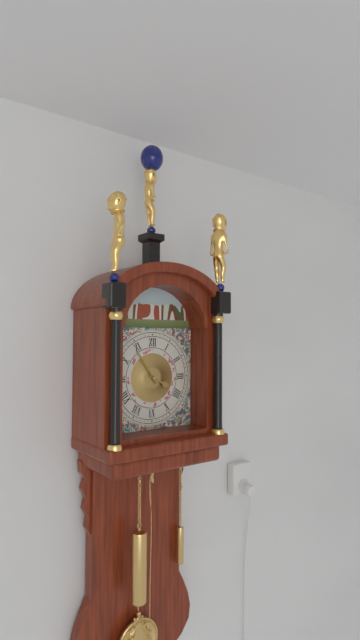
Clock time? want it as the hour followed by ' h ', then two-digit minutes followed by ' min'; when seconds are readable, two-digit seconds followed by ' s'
3 h 54 min
